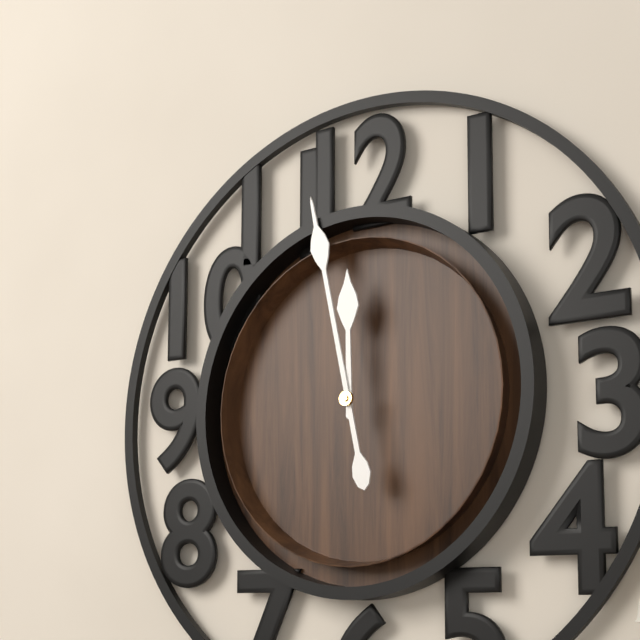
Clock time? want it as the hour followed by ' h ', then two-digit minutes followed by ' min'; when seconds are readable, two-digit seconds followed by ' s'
11 h 58 min
